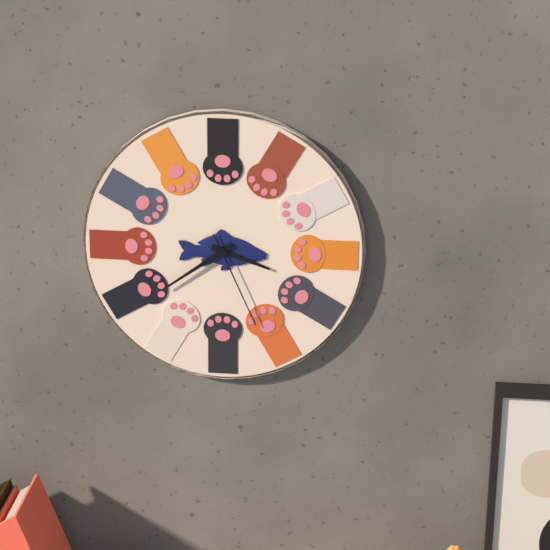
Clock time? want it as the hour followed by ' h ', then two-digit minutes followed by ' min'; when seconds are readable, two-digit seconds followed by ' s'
3 h 39 min 26 s
